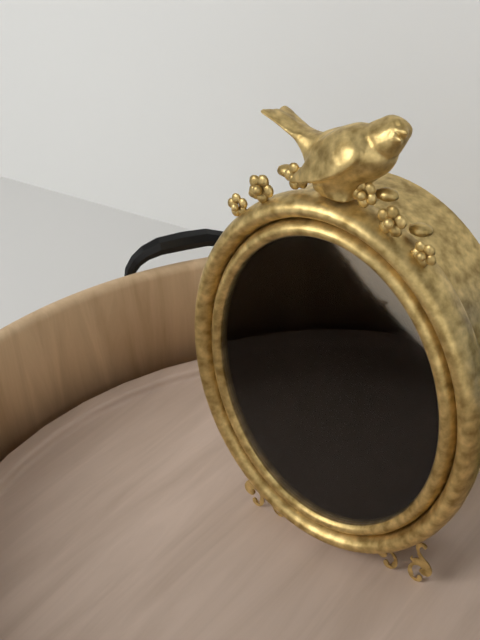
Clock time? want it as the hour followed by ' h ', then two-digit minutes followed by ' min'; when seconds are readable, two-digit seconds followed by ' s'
9 h 15 min 50 s
